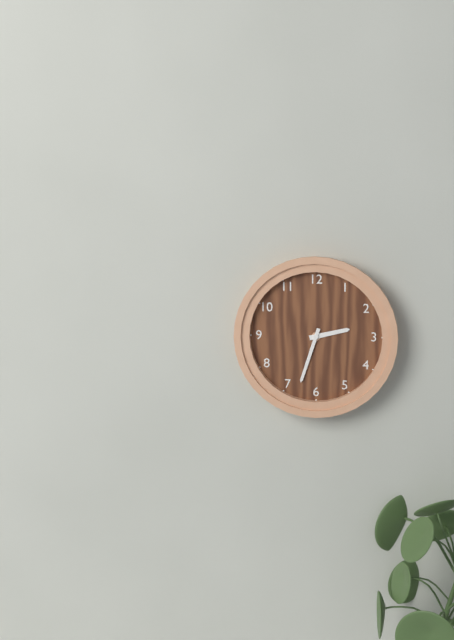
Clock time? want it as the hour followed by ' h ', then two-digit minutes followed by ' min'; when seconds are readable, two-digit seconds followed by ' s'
2 h 33 min
